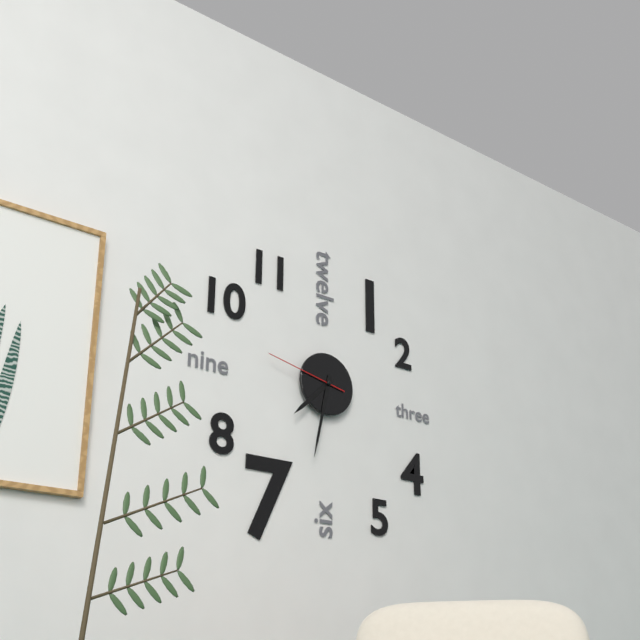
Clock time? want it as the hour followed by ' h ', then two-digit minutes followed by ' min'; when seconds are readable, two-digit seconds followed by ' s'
7 h 32 min 47 s
